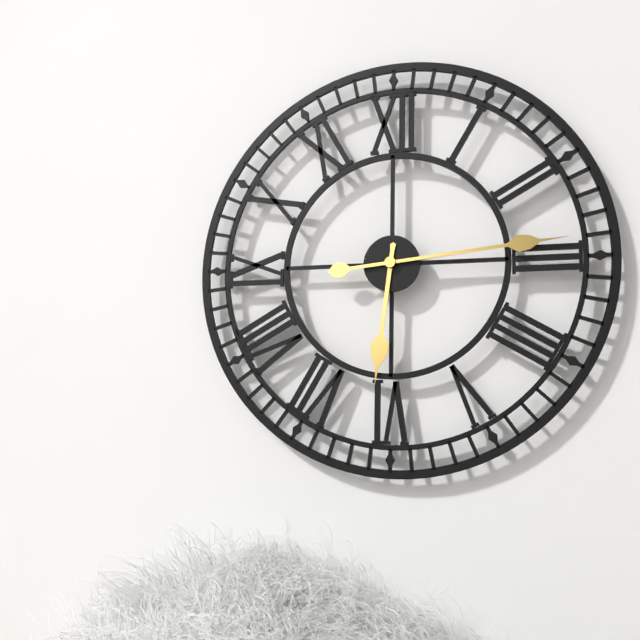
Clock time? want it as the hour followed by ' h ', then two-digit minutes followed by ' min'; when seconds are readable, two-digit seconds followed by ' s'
6 h 14 min
